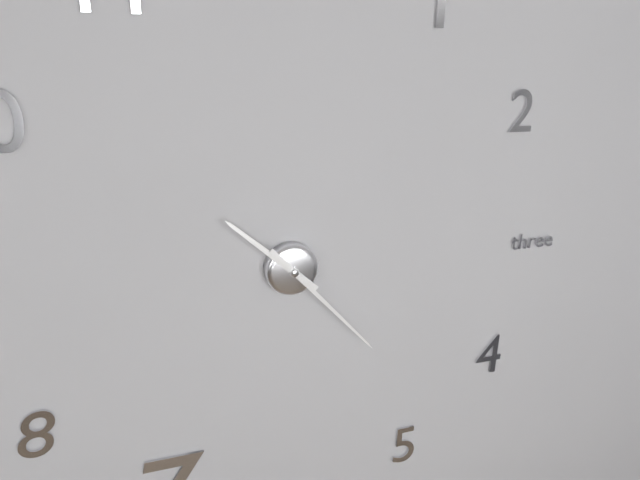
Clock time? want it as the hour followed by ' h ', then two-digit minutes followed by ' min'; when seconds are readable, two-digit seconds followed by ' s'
10 h 23 min
